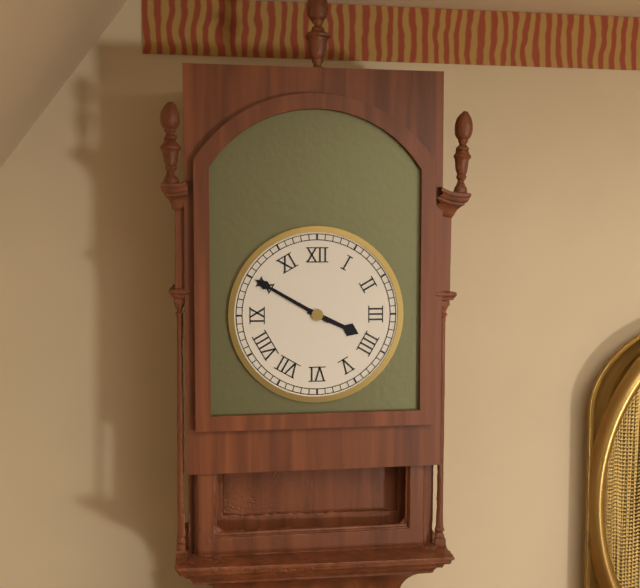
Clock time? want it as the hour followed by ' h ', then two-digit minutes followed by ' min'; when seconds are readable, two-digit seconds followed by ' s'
3 h 50 min
